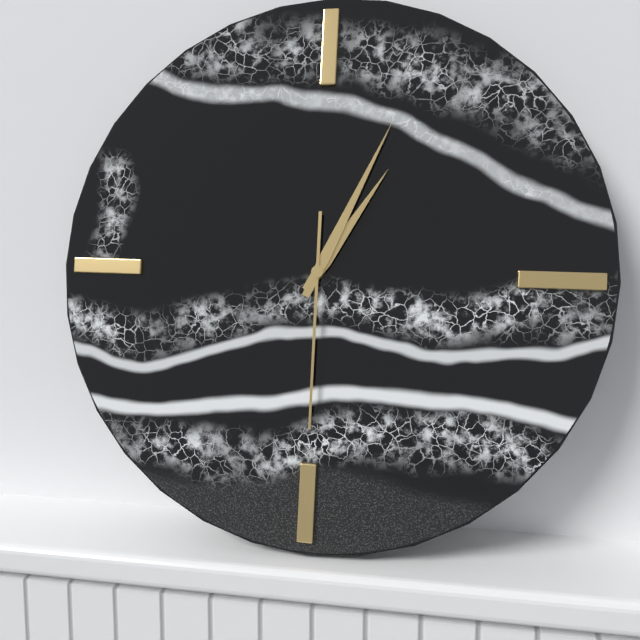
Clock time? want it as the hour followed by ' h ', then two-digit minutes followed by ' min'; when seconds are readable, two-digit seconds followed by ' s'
1 h 04 min 30 s
